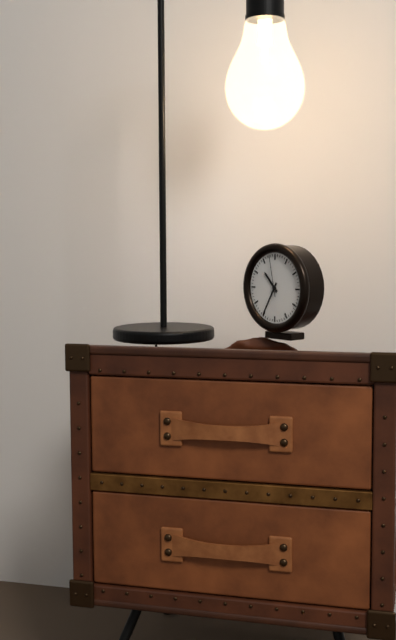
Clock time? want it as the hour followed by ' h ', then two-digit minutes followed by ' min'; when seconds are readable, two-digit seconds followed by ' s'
10 h 35 min
